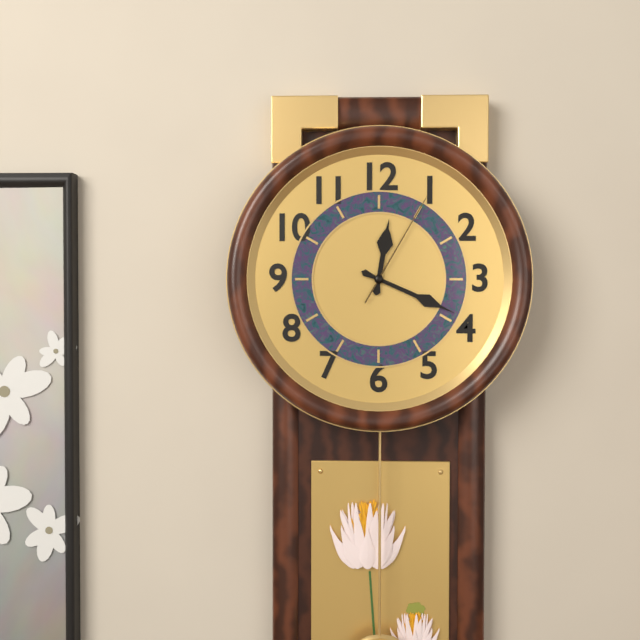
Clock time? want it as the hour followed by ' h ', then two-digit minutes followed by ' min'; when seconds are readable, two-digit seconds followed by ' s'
12 h 19 min 05 s
